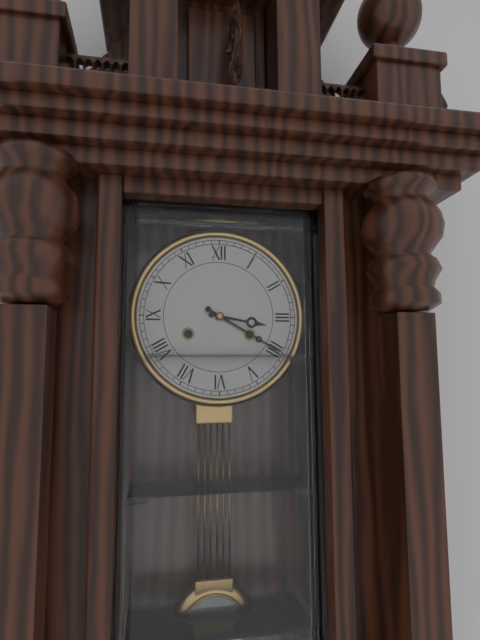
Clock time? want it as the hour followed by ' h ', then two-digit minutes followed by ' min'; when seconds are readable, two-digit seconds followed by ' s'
3 h 20 min
